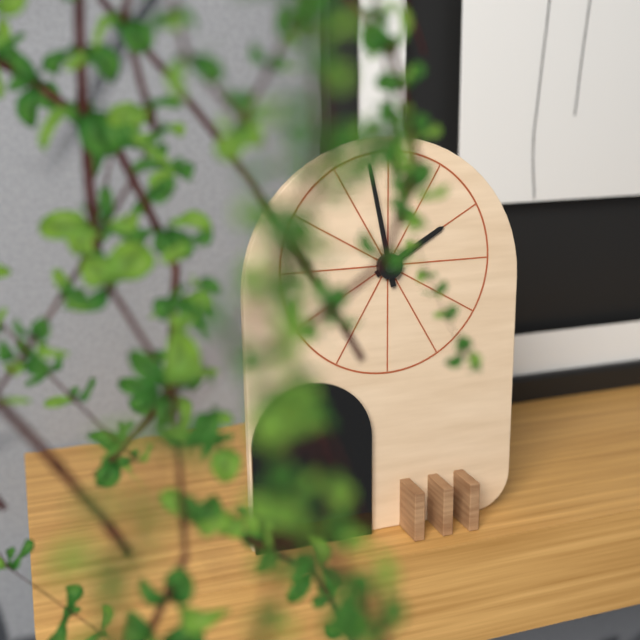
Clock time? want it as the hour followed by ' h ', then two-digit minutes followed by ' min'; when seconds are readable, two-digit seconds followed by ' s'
1 h 58 min
